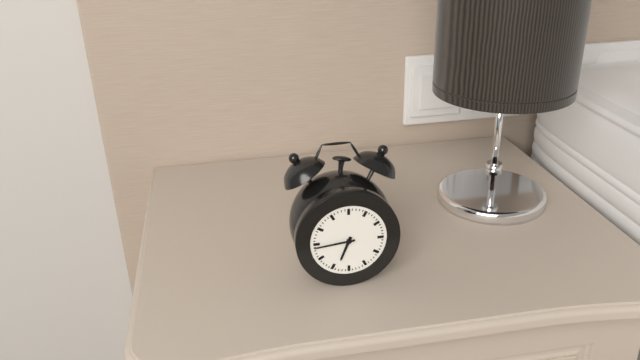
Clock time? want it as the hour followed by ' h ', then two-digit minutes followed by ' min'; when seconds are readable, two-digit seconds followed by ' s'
6 h 44 min
